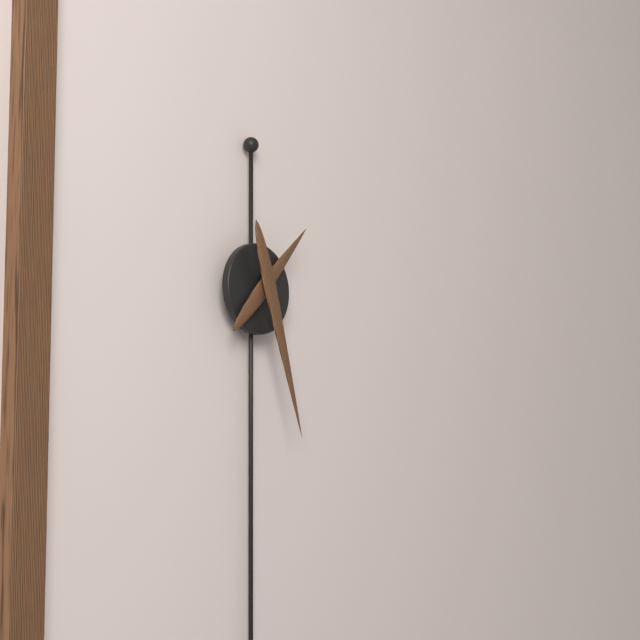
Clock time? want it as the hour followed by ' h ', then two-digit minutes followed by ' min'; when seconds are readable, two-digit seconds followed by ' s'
1 h 27 min
